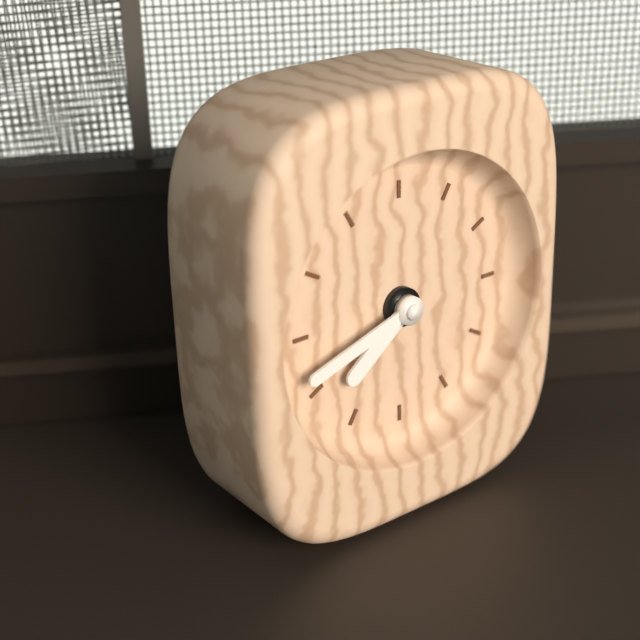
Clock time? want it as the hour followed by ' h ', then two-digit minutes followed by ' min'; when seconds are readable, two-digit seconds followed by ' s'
7 h 42 min
